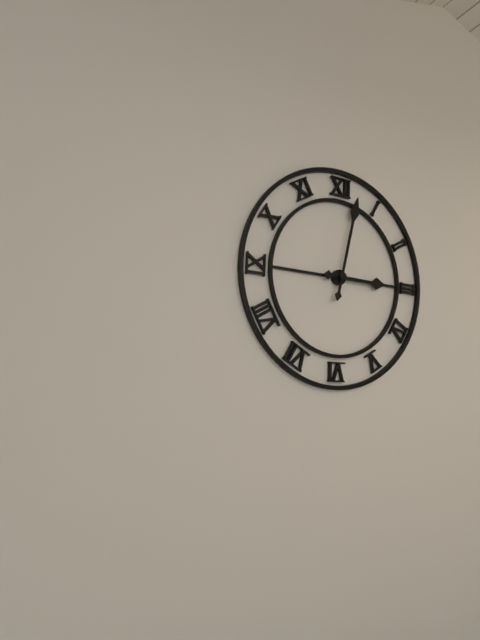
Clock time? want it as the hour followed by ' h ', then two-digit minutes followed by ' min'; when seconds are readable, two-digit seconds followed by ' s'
3 h 02 min
